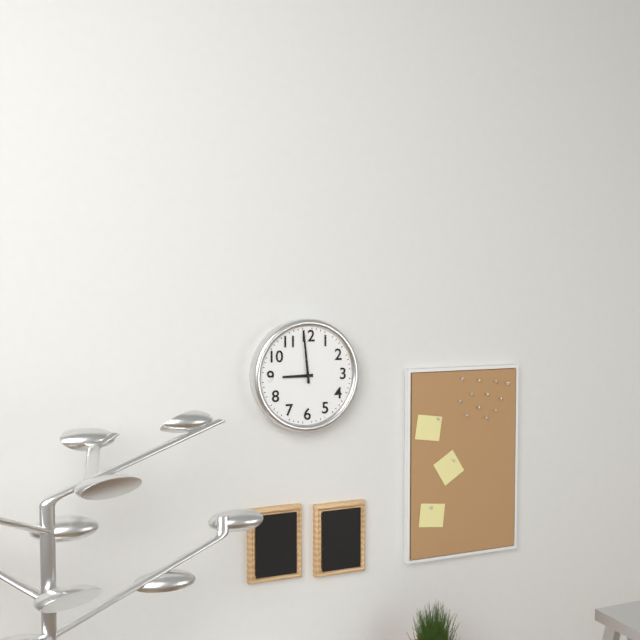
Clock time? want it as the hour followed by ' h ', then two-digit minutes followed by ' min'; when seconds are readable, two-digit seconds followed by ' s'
8 h 59 min
